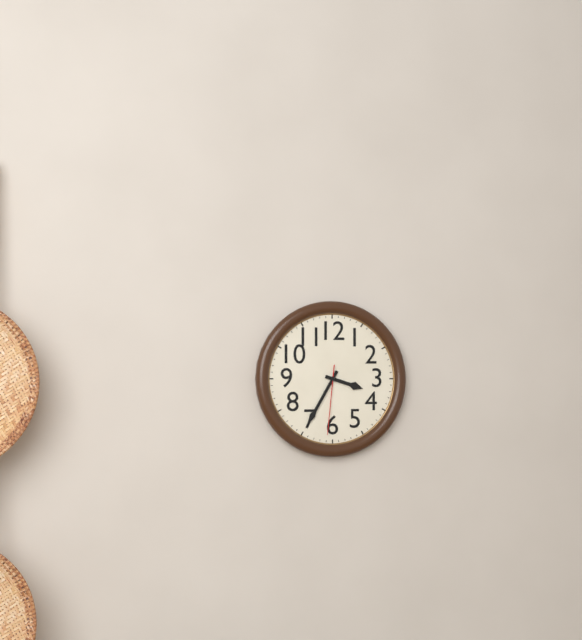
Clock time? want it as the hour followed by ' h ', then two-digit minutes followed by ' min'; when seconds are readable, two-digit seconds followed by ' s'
3 h 35 min 31 s
